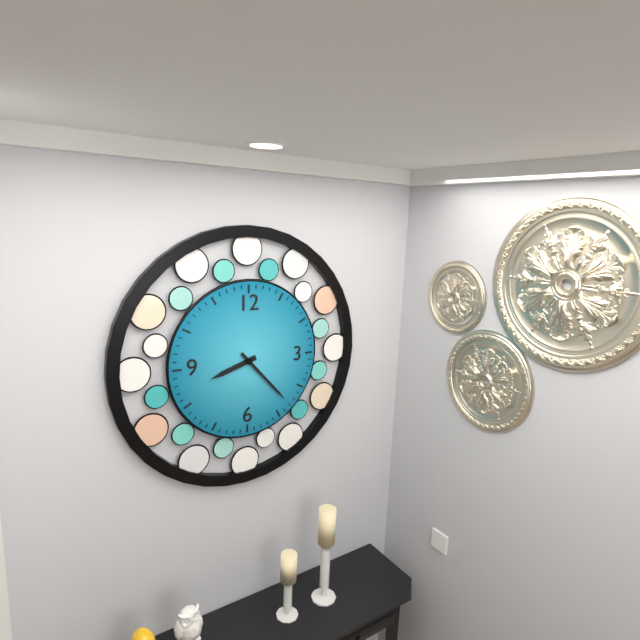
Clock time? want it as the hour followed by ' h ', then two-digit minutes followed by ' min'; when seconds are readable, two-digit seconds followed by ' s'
8 h 23 min
